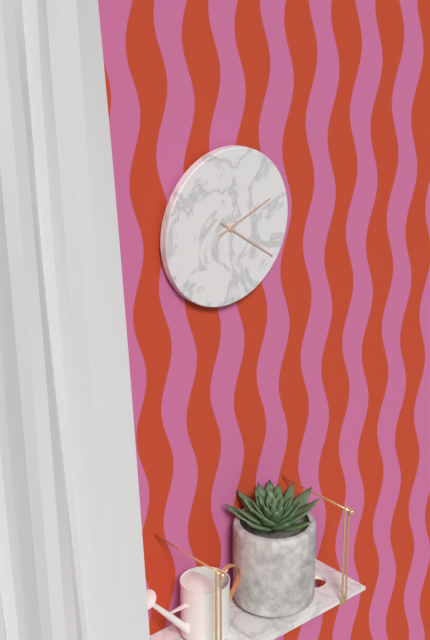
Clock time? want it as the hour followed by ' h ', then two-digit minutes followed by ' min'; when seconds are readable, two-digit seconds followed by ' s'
2 h 21 min
